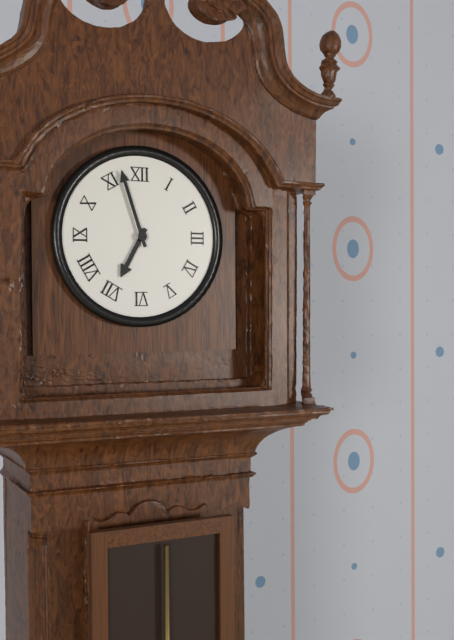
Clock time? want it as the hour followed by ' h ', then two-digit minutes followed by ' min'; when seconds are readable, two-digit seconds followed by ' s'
6 h 57 min
